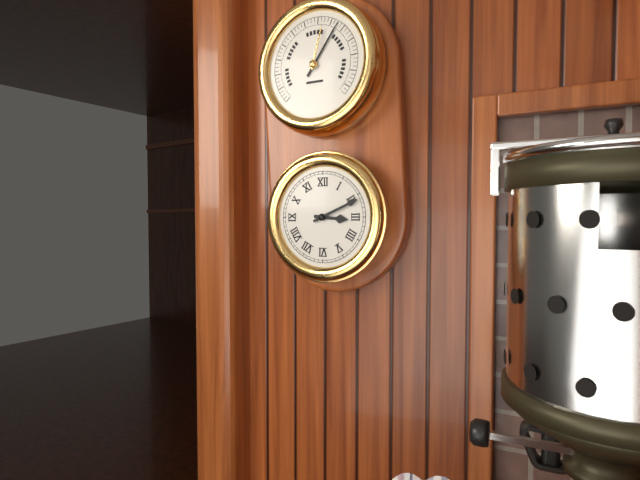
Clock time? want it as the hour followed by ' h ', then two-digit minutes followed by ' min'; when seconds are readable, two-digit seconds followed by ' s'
3 h 11 min
